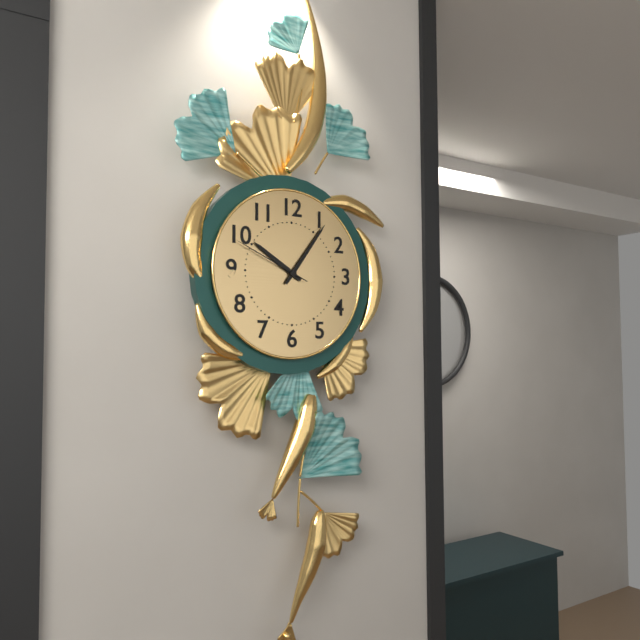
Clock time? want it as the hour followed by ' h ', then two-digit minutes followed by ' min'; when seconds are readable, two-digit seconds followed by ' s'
10 h 06 min 49 s
